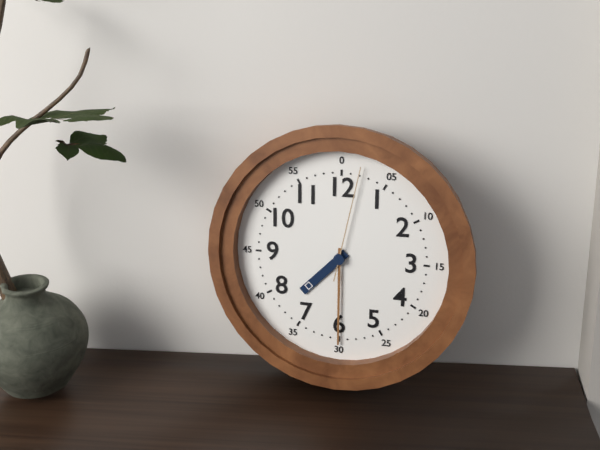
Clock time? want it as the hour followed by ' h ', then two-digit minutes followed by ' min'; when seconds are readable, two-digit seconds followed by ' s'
7 h 30 min 02 s
